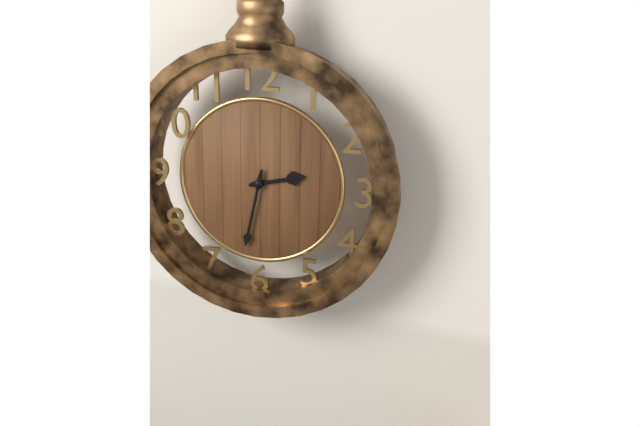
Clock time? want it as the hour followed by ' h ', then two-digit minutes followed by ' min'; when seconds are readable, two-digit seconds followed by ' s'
2 h 32 min
